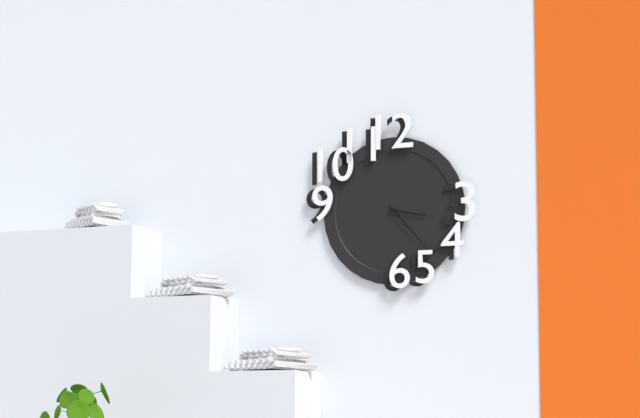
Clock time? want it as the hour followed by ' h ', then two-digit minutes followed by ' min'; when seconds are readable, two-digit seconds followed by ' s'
3 h 23 min
